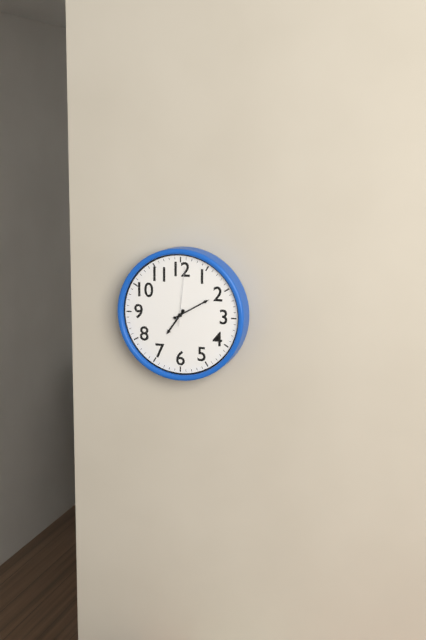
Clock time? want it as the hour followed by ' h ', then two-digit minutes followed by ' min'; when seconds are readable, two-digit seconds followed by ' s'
7 h 10 min 01 s
